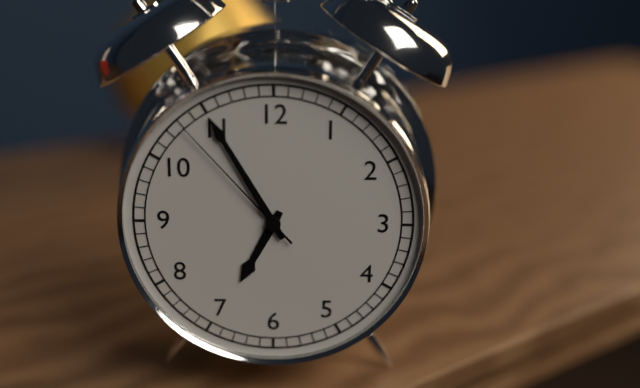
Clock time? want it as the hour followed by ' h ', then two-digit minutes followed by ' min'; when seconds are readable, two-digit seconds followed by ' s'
6 h 55 min 53 s
